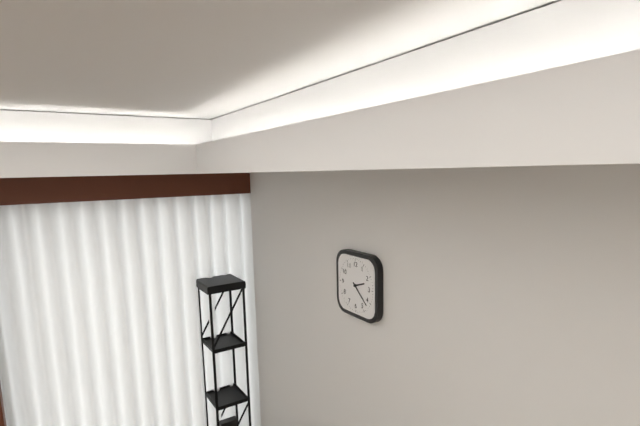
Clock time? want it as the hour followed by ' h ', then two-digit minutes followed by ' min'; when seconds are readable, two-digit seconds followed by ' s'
2 h 22 min
